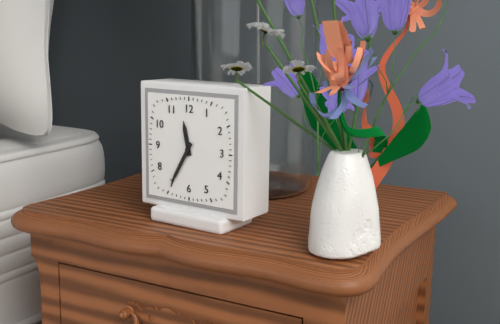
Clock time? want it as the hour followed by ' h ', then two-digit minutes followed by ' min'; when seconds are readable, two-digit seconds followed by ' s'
11 h 35 min
